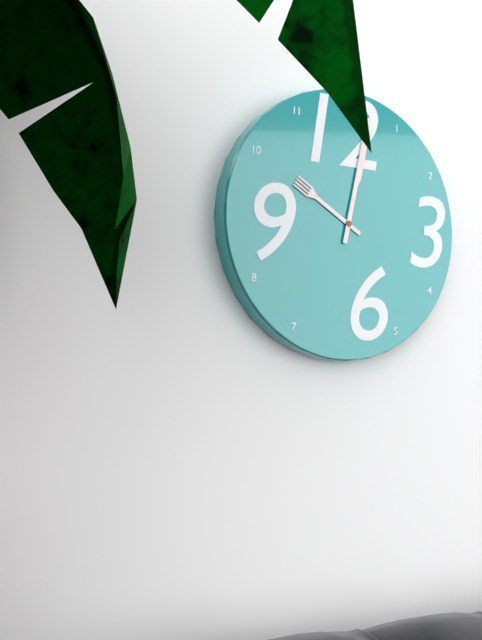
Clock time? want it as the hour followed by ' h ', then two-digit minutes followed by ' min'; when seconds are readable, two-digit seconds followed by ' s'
10 h 02 min
